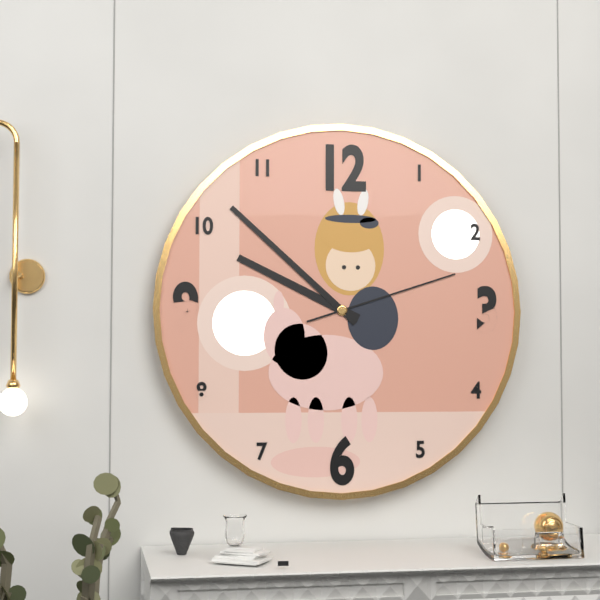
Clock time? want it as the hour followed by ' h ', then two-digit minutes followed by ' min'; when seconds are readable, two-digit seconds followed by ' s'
9 h 52 min 12 s
